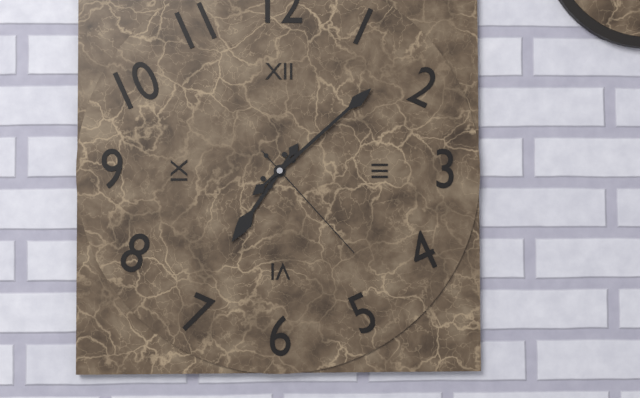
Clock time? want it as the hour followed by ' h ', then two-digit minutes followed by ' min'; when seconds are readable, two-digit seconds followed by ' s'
7 h 08 min 23 s
